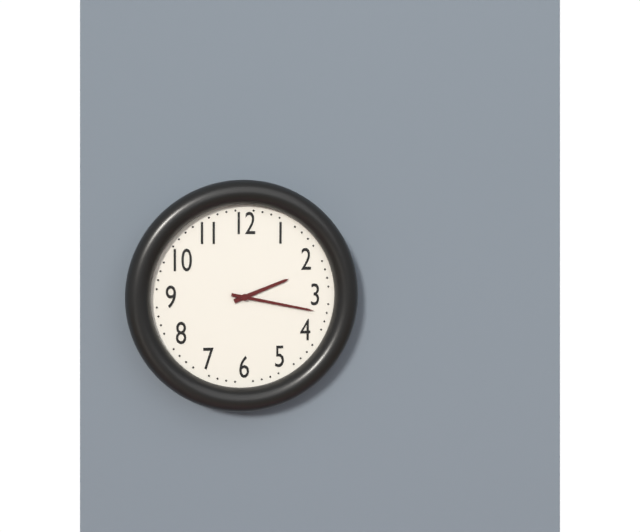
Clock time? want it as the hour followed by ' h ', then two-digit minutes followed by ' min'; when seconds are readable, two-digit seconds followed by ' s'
2 h 17 min
